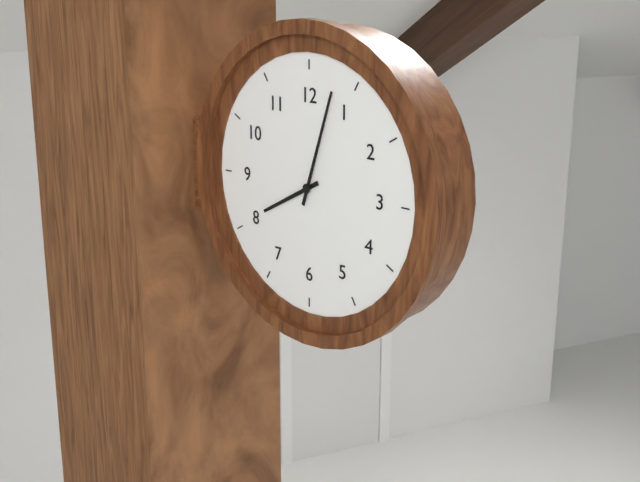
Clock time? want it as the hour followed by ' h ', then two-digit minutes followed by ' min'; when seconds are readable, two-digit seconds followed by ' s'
8 h 03 min
